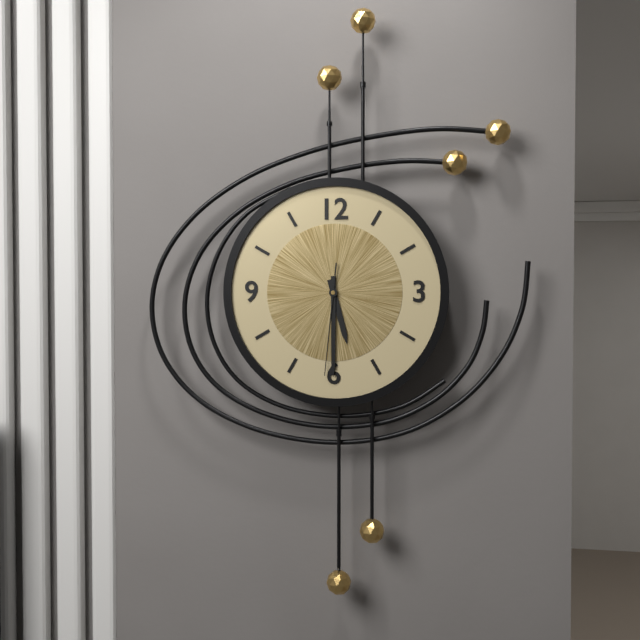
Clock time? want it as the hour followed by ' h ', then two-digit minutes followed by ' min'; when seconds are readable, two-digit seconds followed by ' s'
5 h 30 min 31 s
